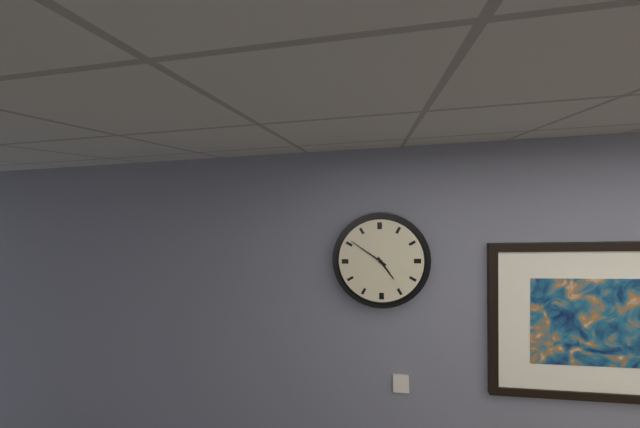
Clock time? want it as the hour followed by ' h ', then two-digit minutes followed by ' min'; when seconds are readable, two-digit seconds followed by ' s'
4 h 51 min
